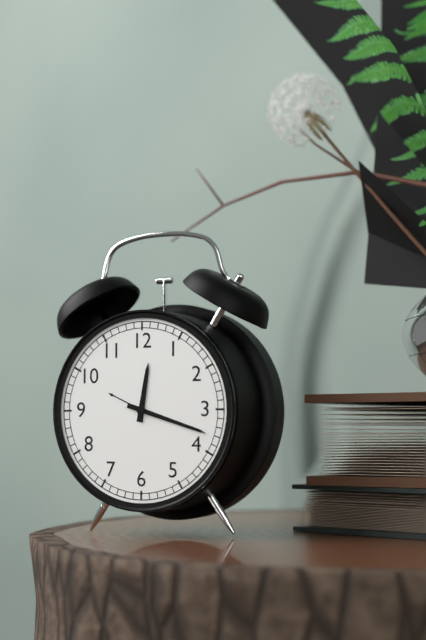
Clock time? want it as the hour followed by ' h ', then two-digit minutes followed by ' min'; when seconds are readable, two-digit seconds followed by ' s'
12 h 18 min
